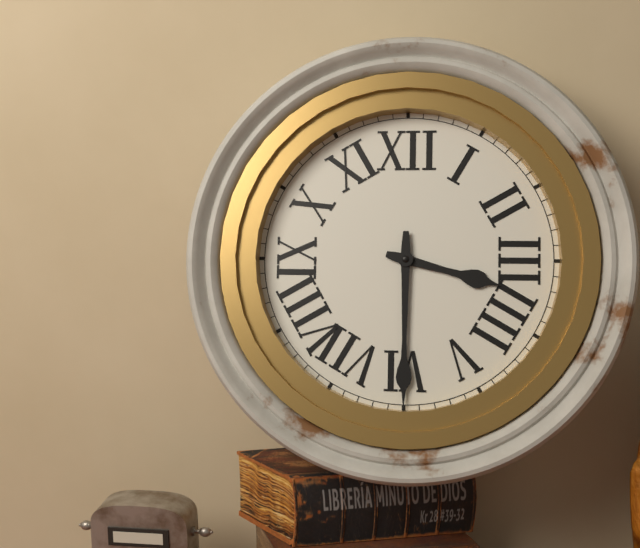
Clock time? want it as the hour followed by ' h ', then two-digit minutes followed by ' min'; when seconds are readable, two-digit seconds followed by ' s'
3 h 30 min
